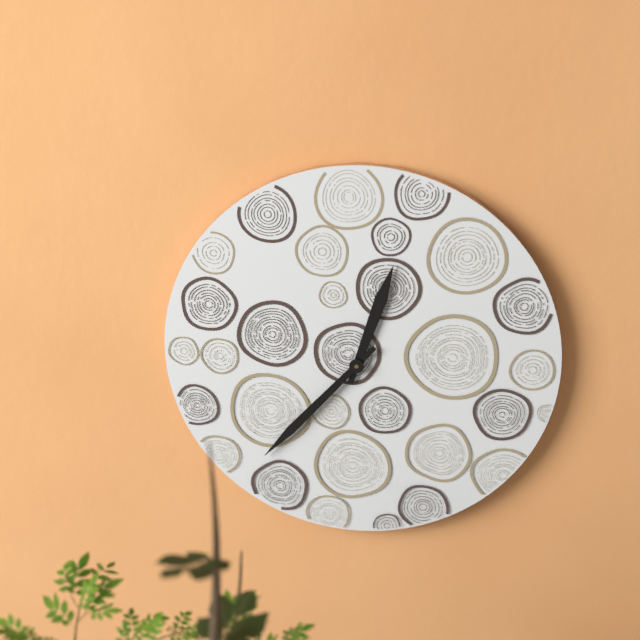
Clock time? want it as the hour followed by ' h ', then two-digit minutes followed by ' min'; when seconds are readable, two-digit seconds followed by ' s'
12 h 37 min
